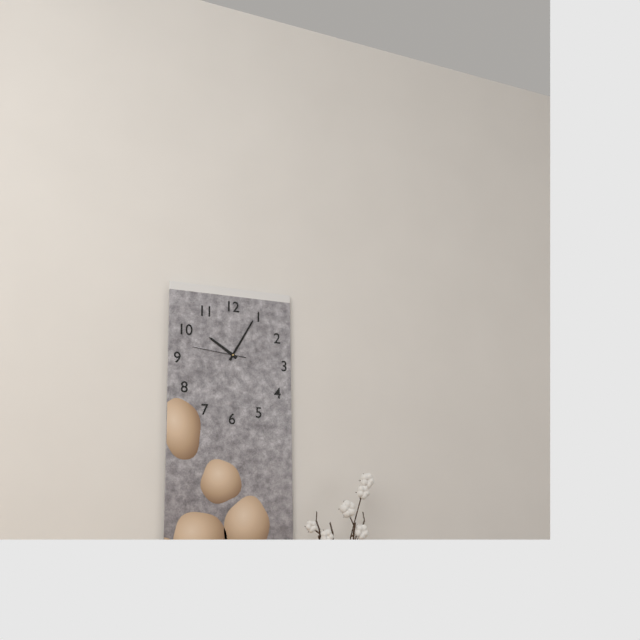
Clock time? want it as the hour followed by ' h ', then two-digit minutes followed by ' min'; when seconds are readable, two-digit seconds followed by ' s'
10 h 05 min 46 s
